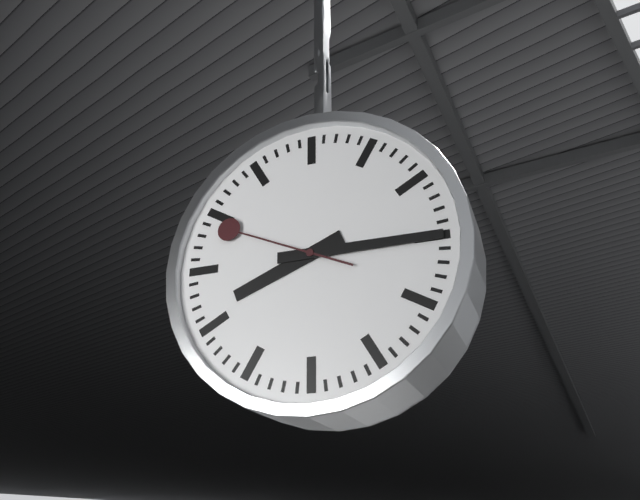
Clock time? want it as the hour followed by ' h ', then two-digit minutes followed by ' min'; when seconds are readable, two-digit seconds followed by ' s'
8 h 15 min 49 s
